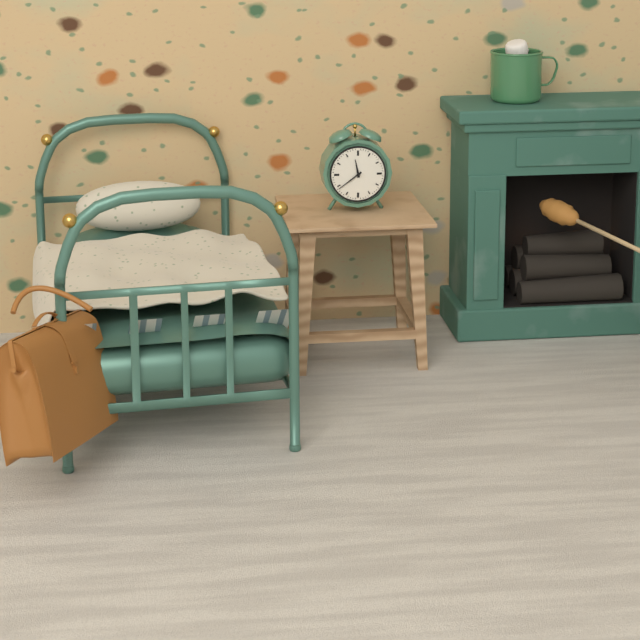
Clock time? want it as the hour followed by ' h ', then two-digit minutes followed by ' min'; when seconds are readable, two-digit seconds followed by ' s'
11 h 39 min
